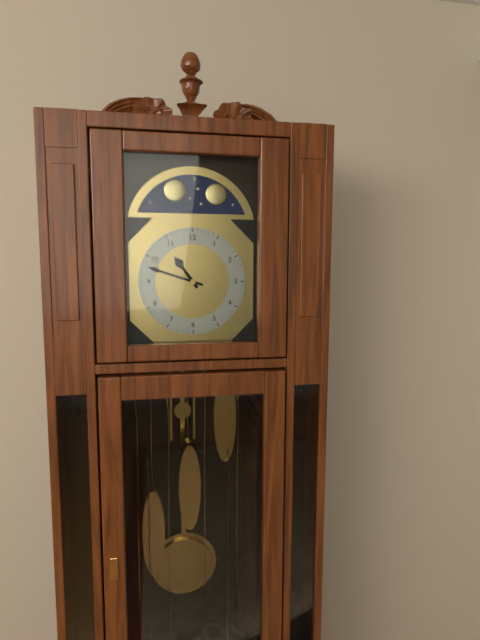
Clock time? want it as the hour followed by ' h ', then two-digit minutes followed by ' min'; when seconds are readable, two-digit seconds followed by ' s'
10 h 48 min
